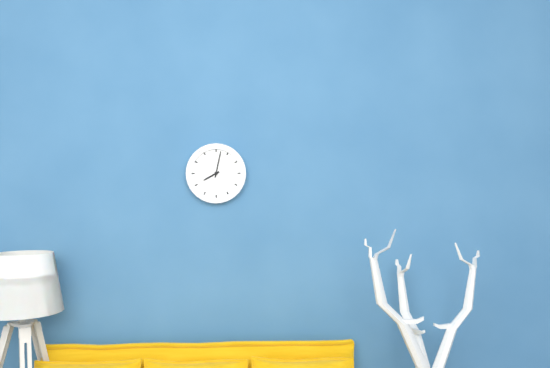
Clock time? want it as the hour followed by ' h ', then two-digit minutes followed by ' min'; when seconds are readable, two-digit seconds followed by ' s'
8 h 02 min
